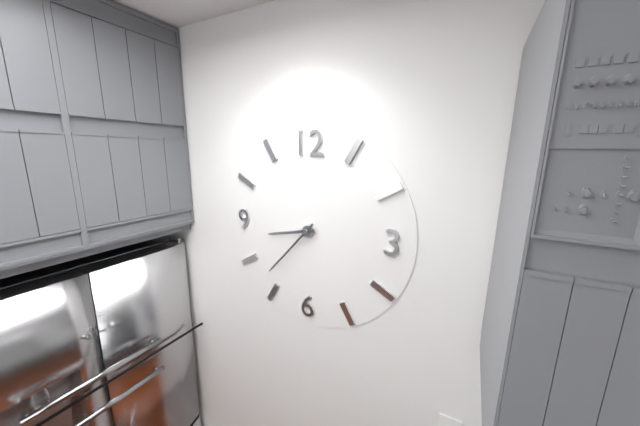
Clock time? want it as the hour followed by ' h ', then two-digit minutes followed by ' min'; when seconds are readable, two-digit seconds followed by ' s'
8 h 37 min
